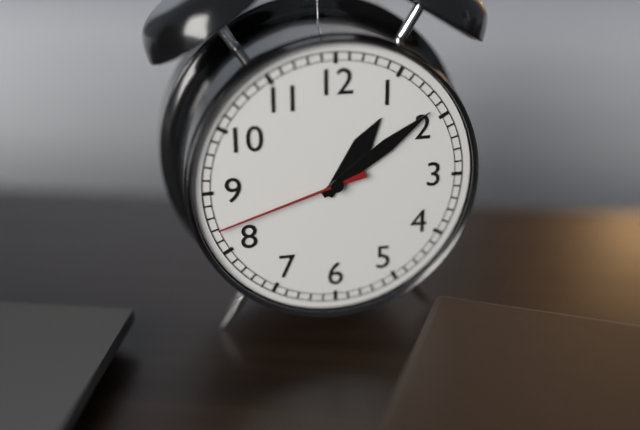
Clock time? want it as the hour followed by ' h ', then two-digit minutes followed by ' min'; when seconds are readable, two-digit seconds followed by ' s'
1 h 09 min 42 s
